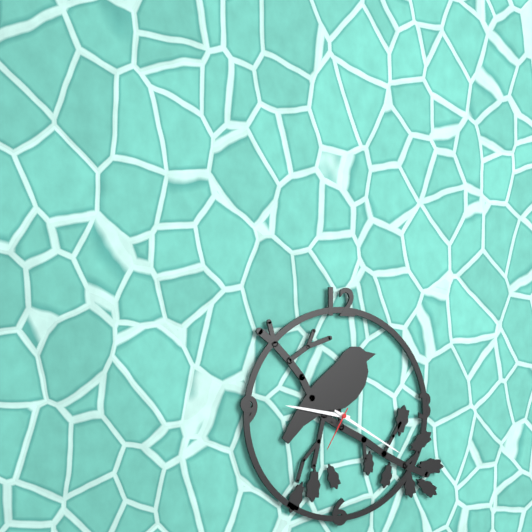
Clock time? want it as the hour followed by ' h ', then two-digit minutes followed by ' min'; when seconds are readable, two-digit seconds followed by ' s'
9 h 20 min
